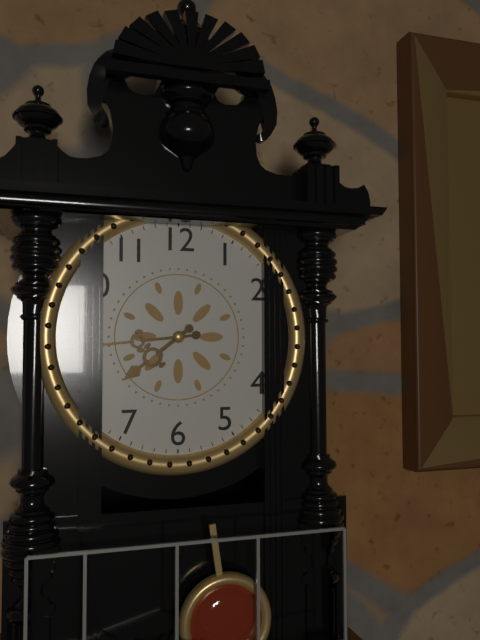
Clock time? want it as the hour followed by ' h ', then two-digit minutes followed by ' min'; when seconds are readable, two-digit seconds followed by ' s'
7 h 44 min
